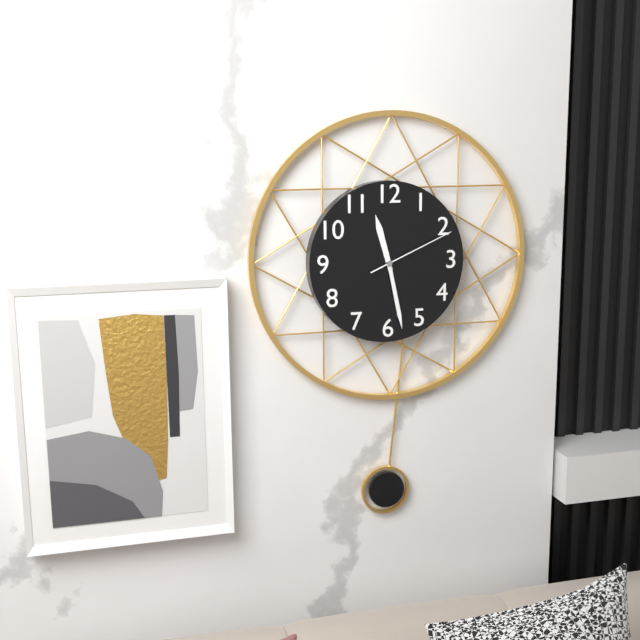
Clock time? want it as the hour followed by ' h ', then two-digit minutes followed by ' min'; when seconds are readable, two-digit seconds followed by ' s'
11 h 28 min 11 s
